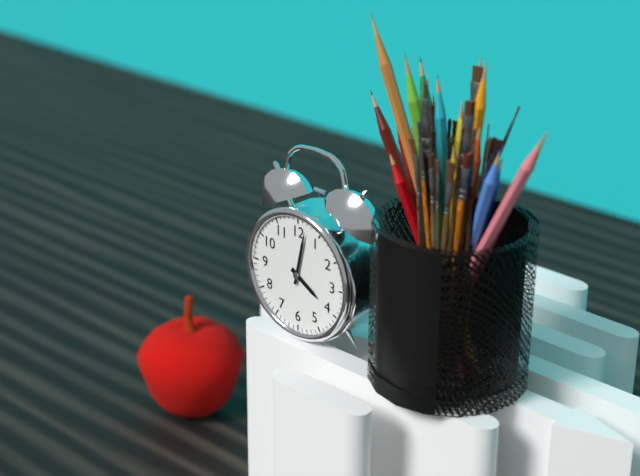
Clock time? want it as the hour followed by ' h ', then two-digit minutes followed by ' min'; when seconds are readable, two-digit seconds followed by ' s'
4 h 02 min
